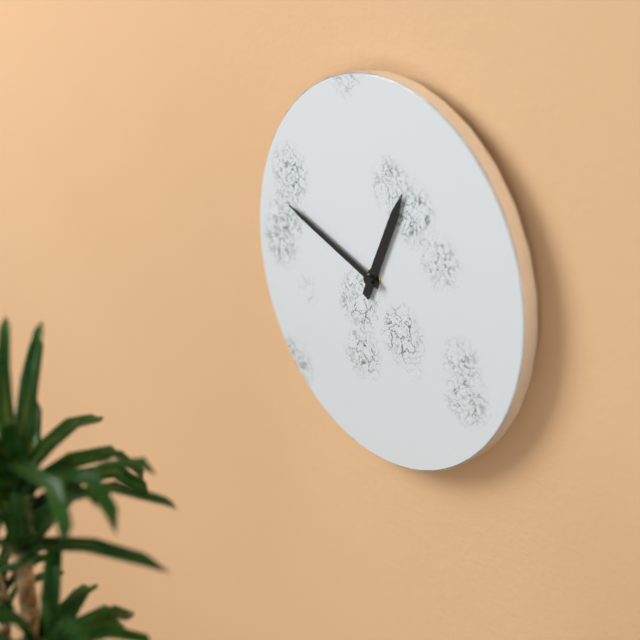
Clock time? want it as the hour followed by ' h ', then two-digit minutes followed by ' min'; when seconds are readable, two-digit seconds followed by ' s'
12 h 48 min
